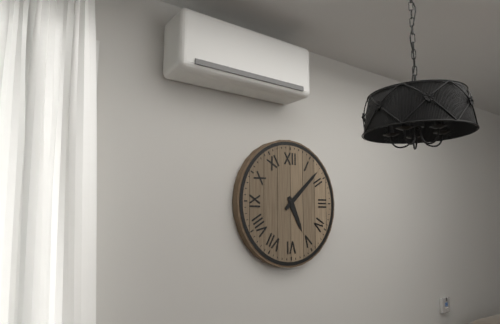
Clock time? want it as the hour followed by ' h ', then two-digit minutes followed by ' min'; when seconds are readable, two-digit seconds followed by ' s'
5 h 08 min
